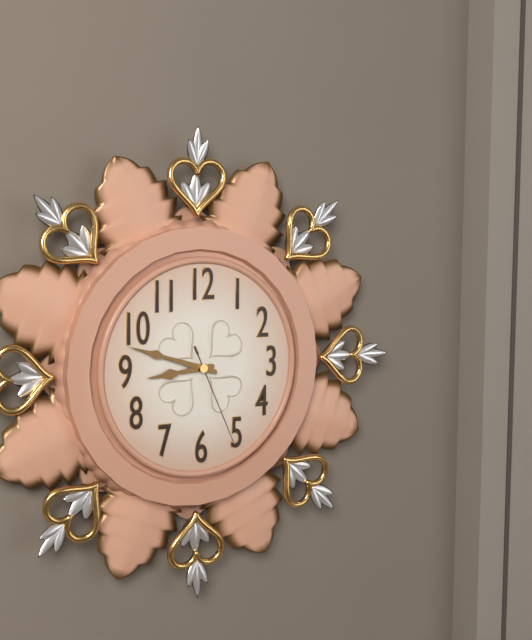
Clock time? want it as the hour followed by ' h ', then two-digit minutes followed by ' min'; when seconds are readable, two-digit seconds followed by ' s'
8 h 48 min 26 s
